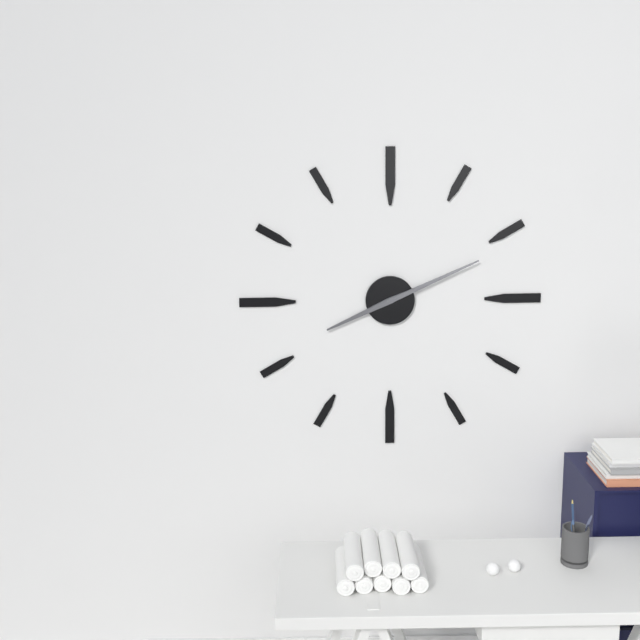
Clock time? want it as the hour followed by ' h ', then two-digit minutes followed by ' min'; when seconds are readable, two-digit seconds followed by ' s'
8 h 11 min
